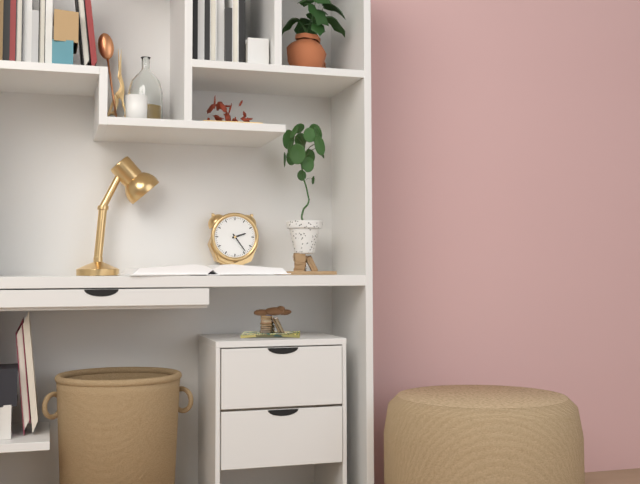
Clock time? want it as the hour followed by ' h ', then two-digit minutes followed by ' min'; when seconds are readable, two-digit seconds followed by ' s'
2 h 24 min
